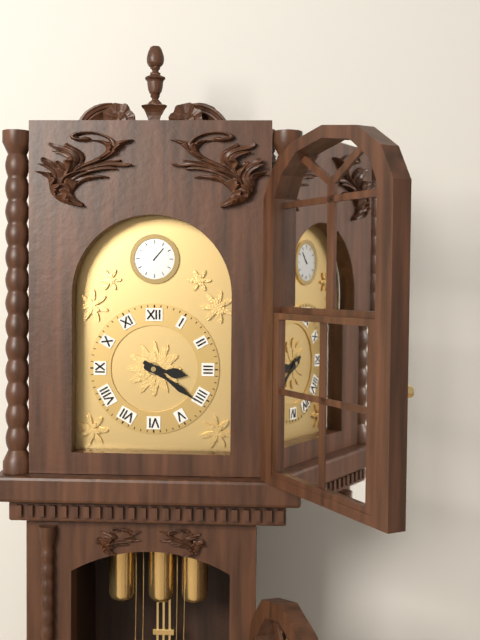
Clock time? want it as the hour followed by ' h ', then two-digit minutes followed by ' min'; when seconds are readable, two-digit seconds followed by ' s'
3 h 21 min
